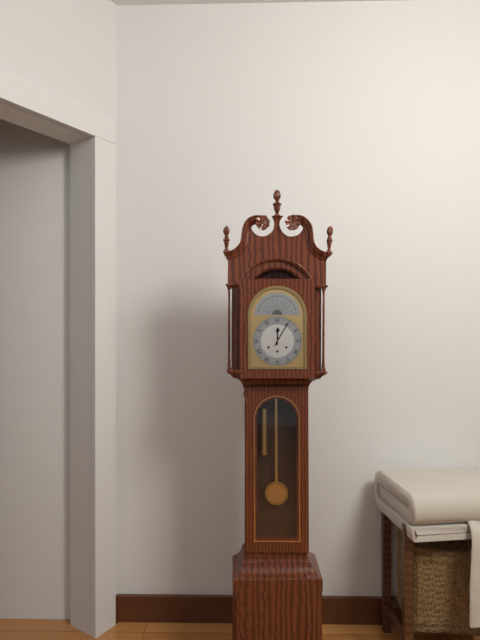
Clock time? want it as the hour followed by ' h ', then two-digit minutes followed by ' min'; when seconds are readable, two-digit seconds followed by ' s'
12 h 05 min
